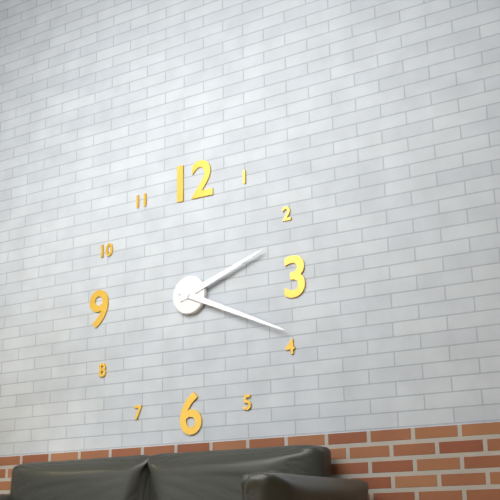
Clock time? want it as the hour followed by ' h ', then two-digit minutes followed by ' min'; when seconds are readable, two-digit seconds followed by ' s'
2 h 19 min
